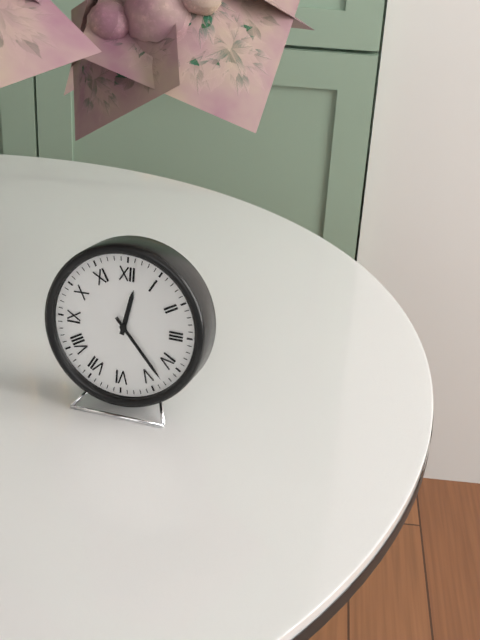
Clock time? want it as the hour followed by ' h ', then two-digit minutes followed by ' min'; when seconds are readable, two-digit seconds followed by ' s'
12 h 23 min
